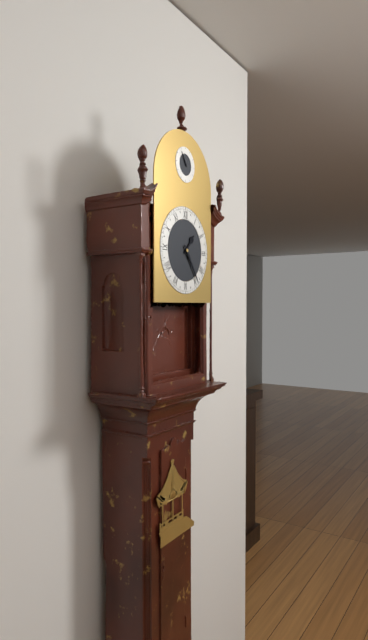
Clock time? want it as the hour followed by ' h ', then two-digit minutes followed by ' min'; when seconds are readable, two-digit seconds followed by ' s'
1 h 24 min
